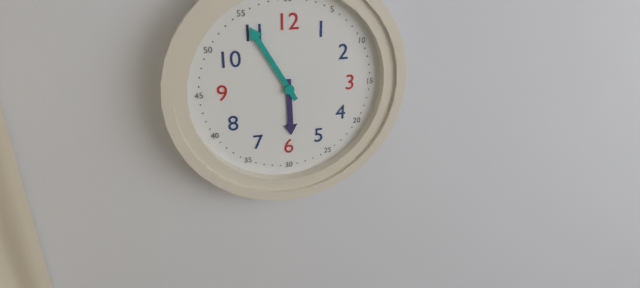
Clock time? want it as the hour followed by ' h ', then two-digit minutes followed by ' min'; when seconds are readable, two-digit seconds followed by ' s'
5 h 55 min
